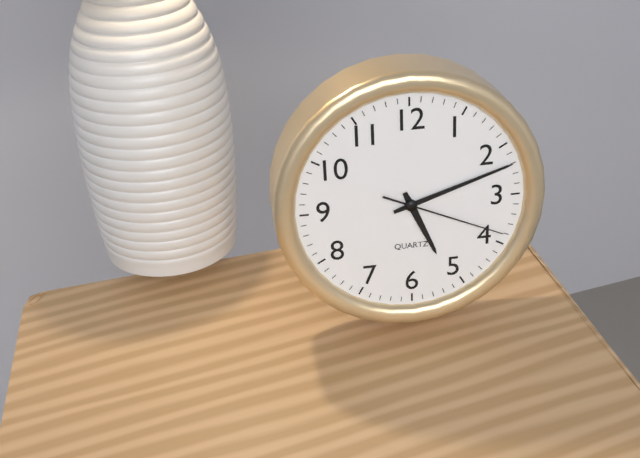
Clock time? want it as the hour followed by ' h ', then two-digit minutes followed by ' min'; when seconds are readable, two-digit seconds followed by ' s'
5 h 12 min 19 s
